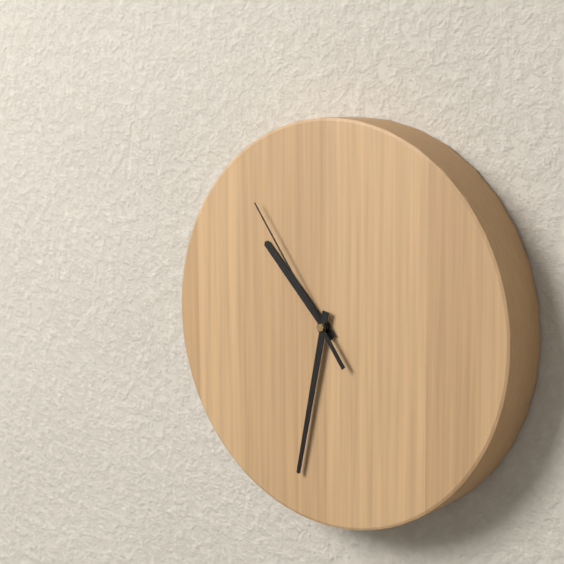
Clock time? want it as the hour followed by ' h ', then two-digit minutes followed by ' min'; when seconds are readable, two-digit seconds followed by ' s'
10 h 32 min 54 s
